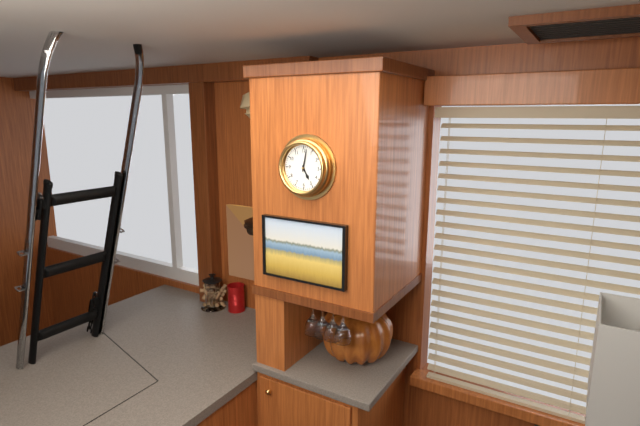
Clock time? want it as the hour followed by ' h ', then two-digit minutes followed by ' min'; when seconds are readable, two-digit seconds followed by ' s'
5 h 02 min
